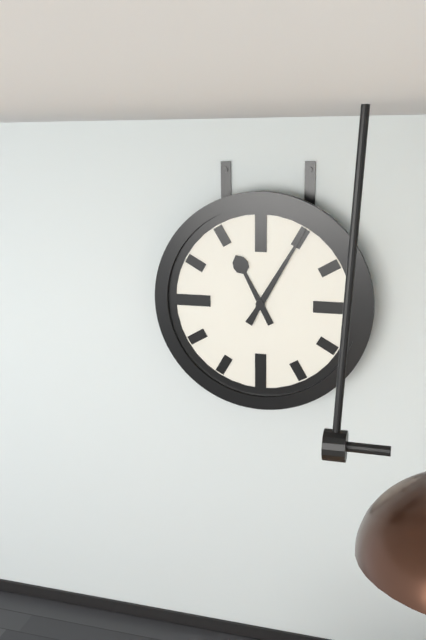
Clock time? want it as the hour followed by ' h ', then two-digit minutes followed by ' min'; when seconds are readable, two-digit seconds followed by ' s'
11 h 05 min
